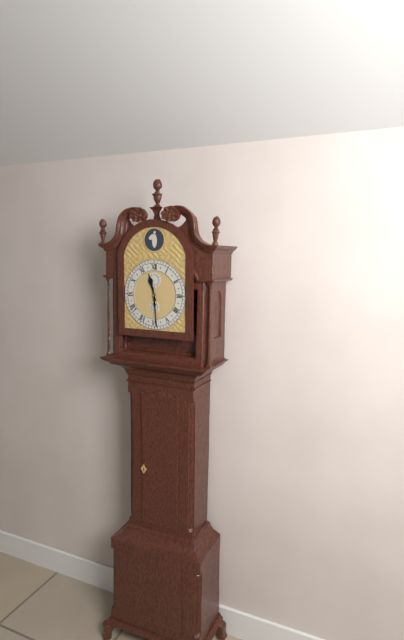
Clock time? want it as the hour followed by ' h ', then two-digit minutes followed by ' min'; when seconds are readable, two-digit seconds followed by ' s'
11 h 29 min
